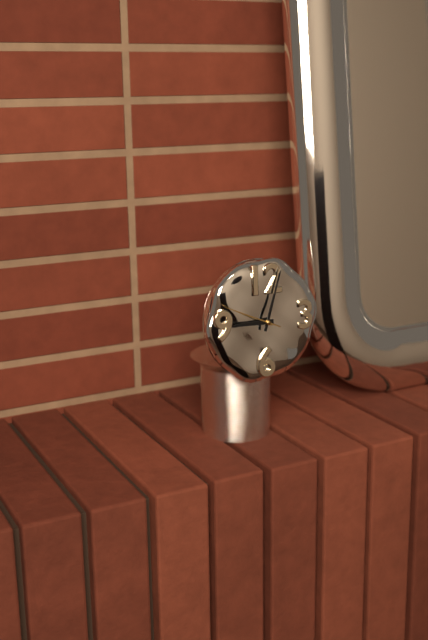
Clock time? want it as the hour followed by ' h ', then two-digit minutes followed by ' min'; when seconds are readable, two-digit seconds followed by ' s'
9 h 03 min 49 s
